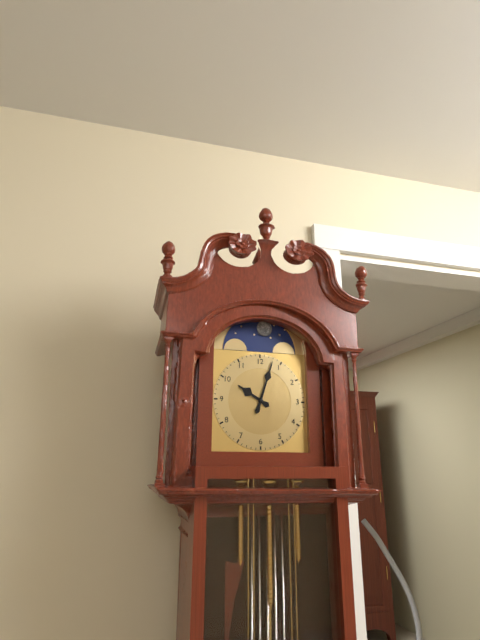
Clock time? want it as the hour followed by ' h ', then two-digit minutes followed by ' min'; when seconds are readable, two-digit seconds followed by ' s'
10 h 03 min
